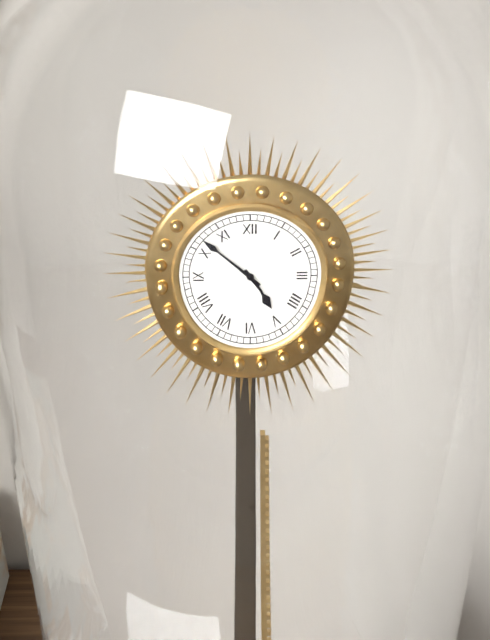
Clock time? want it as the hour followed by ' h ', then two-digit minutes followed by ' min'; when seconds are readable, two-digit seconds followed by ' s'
4 h 52 min
